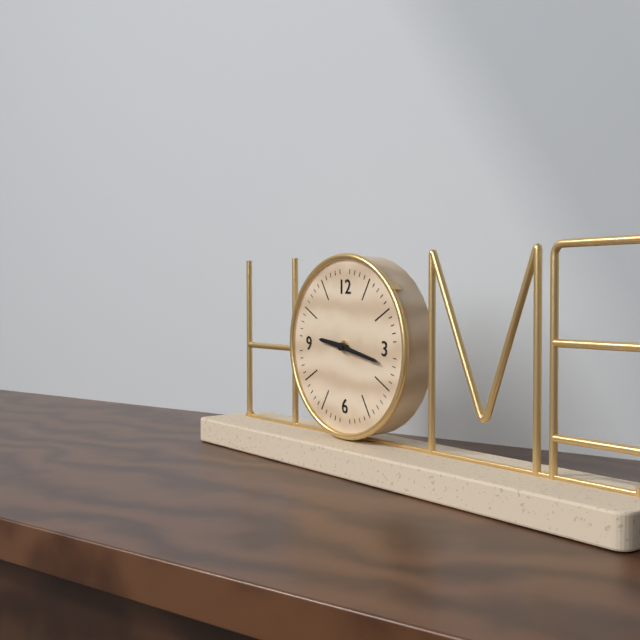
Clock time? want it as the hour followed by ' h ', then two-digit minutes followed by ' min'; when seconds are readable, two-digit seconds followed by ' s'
9 h 17 min
